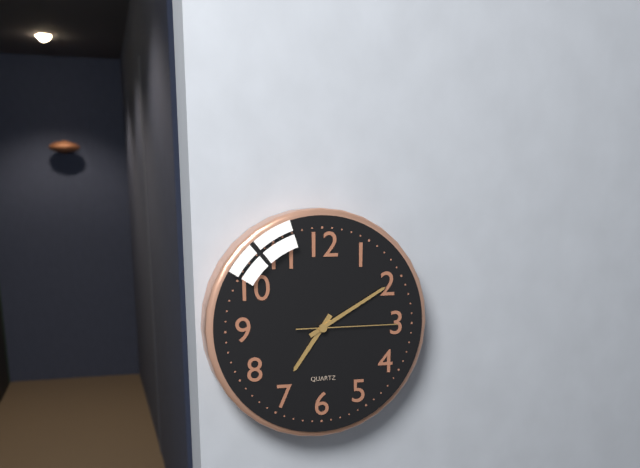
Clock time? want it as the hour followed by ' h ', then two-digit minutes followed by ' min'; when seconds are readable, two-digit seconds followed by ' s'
7 h 10 min 15 s
